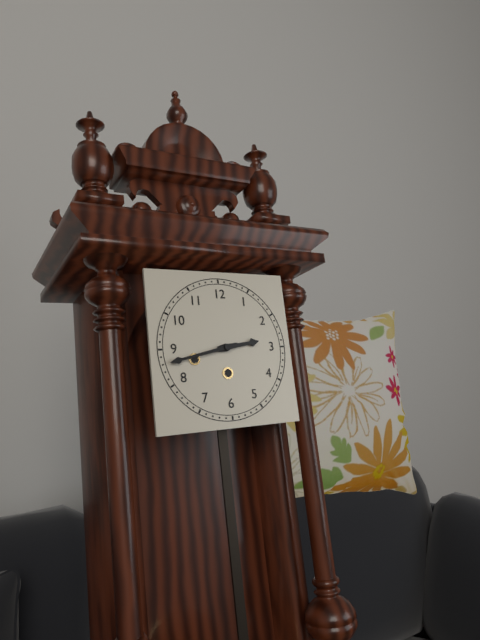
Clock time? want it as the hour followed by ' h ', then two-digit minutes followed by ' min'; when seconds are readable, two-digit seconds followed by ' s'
2 h 43 min
